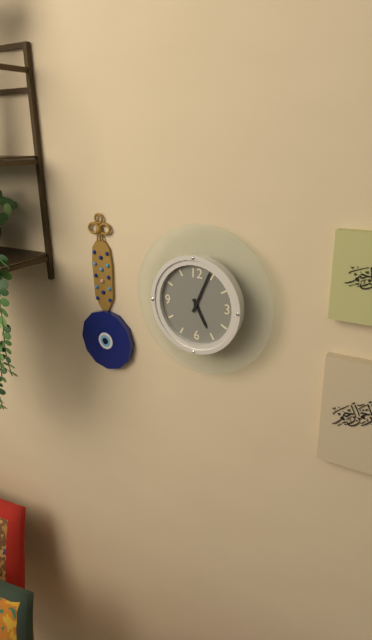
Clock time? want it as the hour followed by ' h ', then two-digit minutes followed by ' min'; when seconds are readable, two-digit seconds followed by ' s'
5 h 04 min
